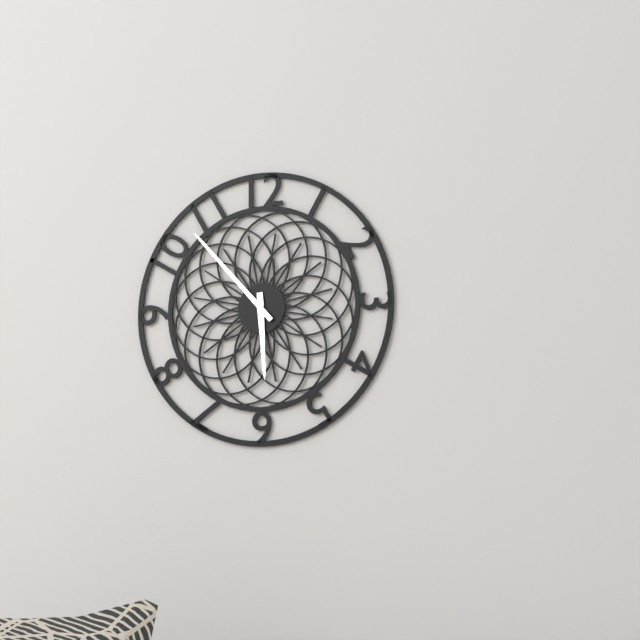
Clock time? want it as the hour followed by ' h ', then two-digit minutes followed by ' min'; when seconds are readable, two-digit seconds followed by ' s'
5 h 53 min
